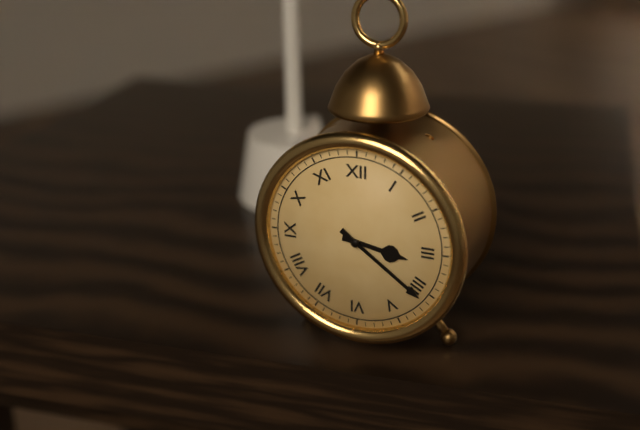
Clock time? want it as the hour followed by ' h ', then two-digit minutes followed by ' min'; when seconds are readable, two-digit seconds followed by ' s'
3 h 21 min
